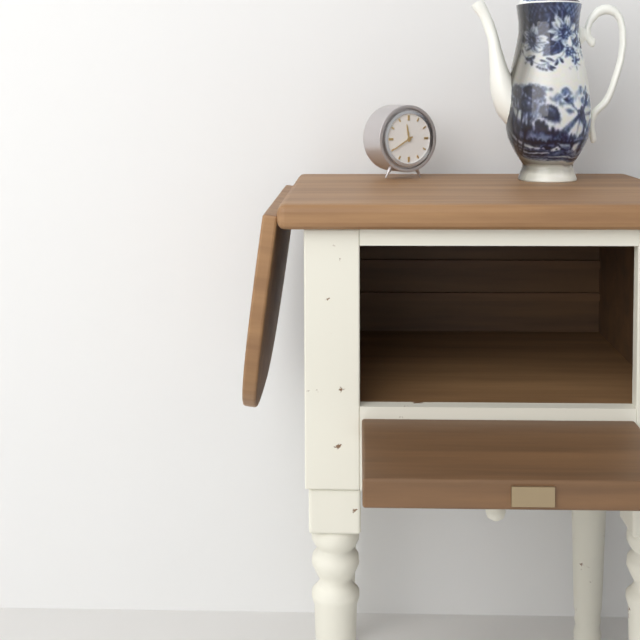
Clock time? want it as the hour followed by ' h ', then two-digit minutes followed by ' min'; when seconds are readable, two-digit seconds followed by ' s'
11 h 40 min
